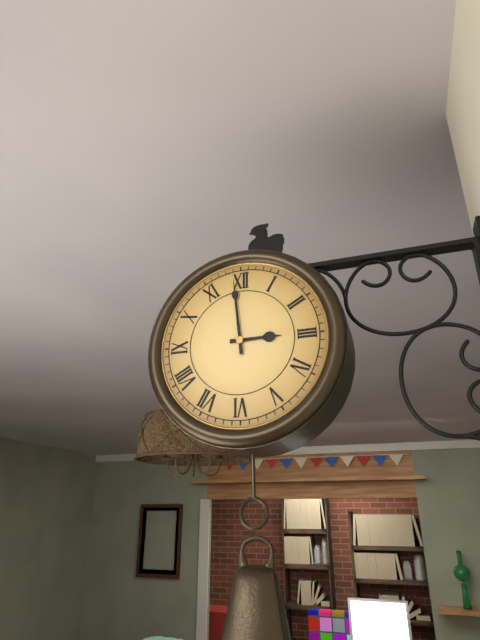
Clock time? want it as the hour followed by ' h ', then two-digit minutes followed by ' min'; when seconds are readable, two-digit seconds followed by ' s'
2 h 59 min
